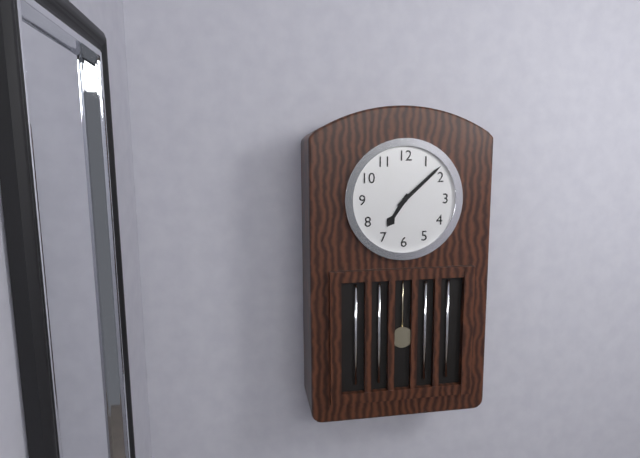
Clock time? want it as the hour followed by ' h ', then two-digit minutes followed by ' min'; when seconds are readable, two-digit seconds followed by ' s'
7 h 08 min
